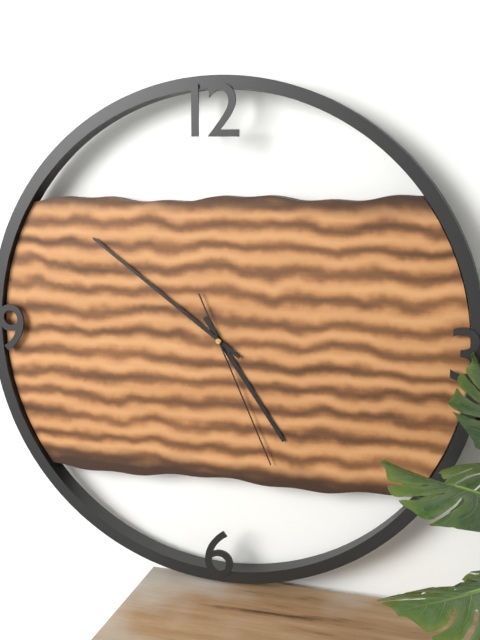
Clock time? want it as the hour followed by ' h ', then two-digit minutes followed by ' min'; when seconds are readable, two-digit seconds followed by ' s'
4 h 51 min 26 s
